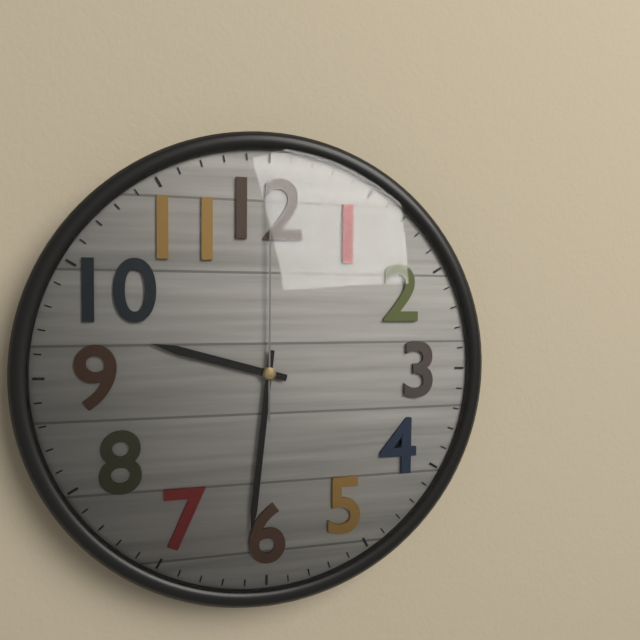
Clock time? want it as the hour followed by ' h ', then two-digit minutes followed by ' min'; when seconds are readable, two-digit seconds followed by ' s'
9 h 31 min 00 s
